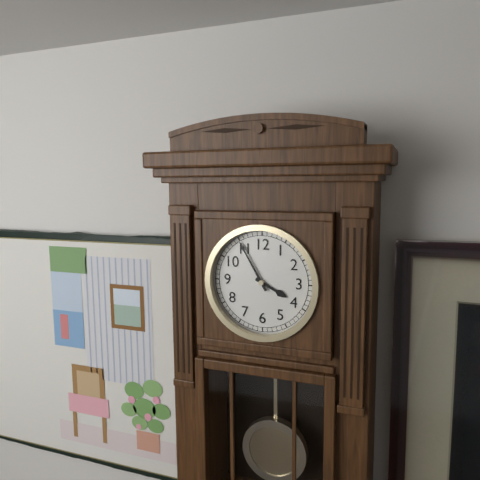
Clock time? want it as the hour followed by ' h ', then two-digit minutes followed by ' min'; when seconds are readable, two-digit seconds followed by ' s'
3 h 55 min
